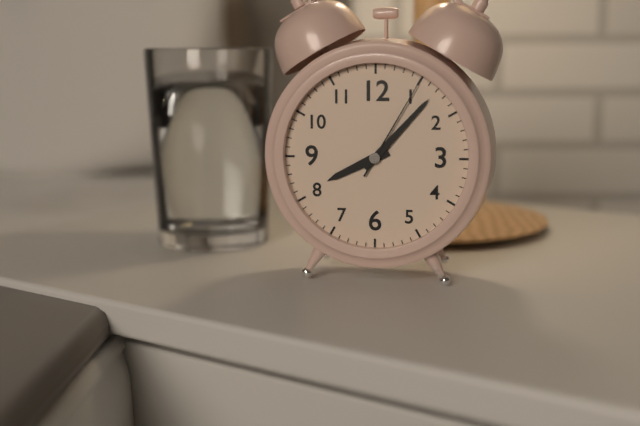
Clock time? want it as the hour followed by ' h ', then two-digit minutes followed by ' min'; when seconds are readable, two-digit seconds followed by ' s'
8 h 07 min 05 s
